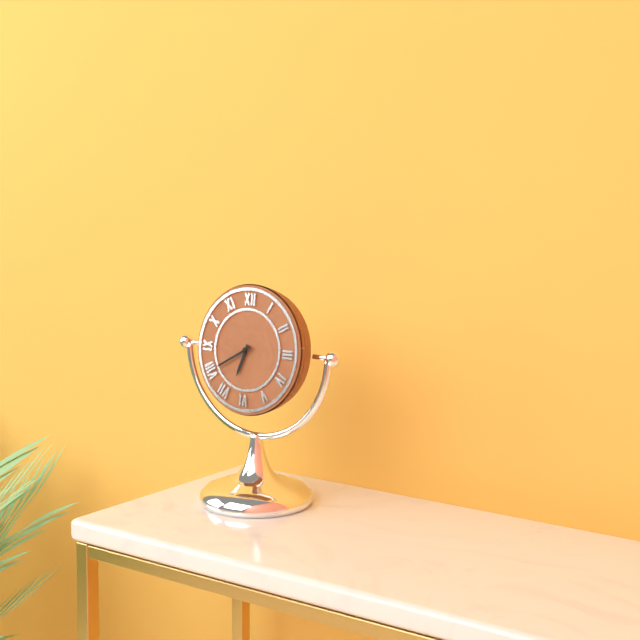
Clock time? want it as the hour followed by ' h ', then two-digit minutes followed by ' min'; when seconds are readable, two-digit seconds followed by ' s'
6 h 40 min
